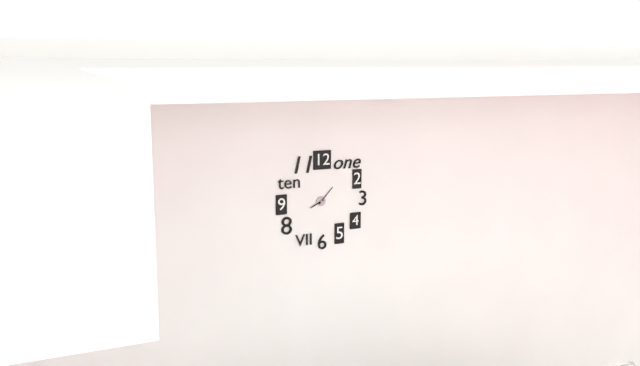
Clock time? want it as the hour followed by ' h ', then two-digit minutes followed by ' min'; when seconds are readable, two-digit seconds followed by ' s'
8 h 07 min
